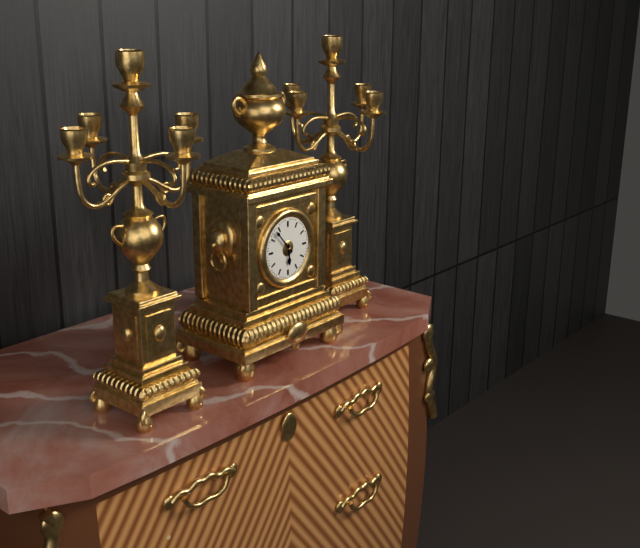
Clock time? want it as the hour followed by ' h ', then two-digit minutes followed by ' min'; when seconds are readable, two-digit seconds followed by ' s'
5 h 53 min
